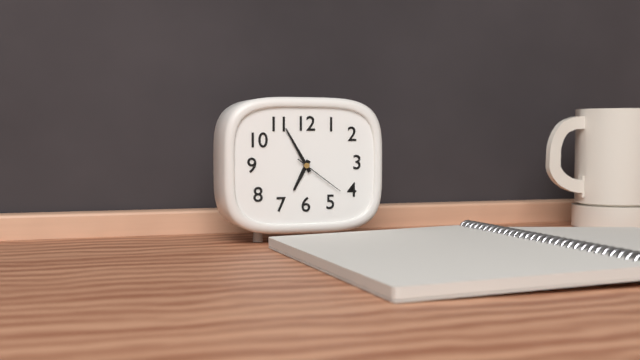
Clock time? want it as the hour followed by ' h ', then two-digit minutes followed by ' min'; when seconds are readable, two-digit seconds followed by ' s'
6 h 55 min 21 s
